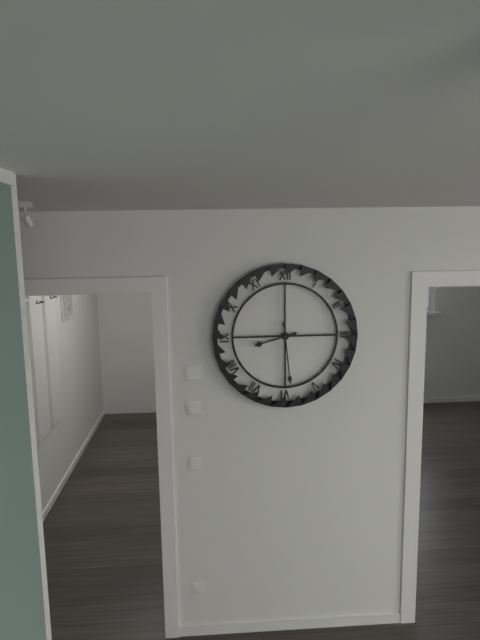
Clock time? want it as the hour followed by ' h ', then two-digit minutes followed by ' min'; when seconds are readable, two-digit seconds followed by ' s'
8 h 29 min
